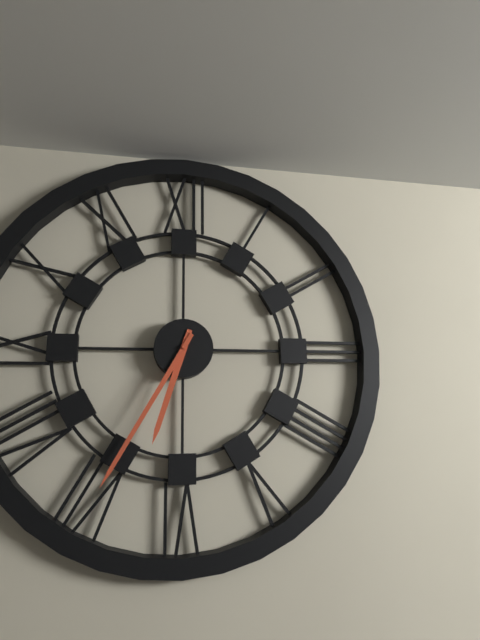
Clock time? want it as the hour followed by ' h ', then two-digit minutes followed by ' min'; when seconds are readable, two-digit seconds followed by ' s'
6 h 35 min
